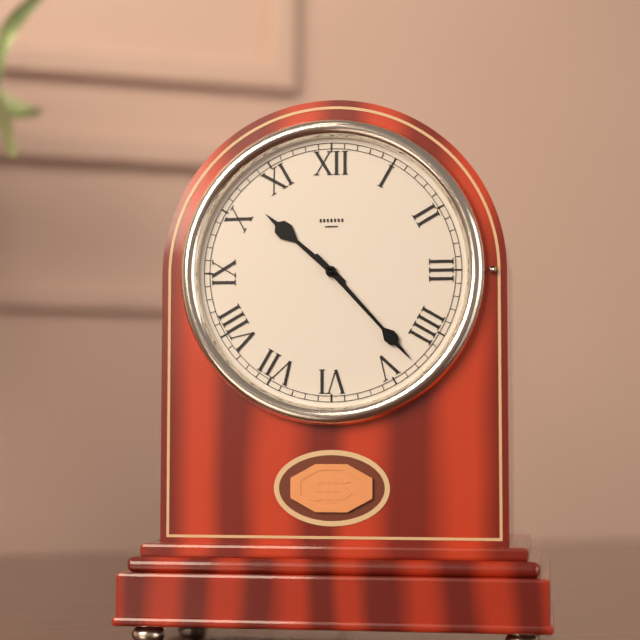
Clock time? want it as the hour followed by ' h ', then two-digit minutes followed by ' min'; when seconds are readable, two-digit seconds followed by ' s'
10 h 23 min
